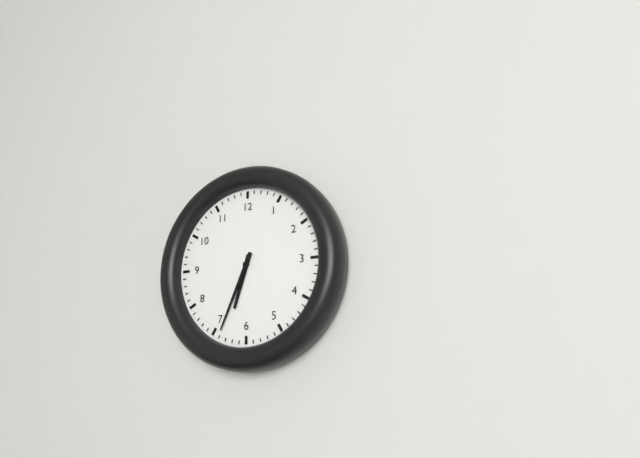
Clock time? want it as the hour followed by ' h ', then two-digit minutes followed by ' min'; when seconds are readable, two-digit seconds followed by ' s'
6 h 34 min
